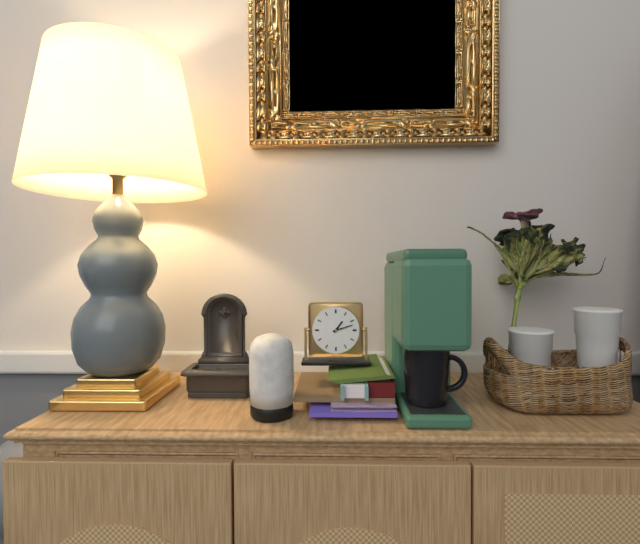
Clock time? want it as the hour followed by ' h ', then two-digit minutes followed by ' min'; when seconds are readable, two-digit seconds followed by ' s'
1 h 12 min
